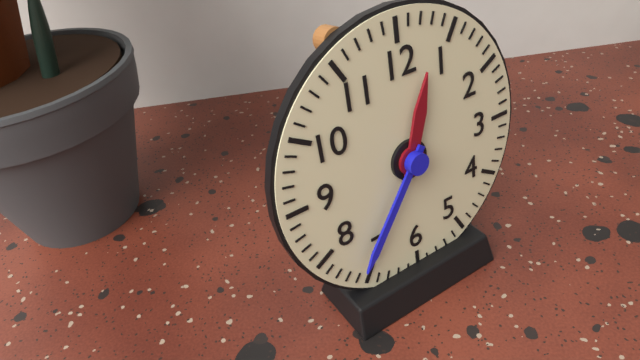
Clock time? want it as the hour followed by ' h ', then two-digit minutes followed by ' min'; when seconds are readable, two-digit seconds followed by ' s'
12 h 36 min
